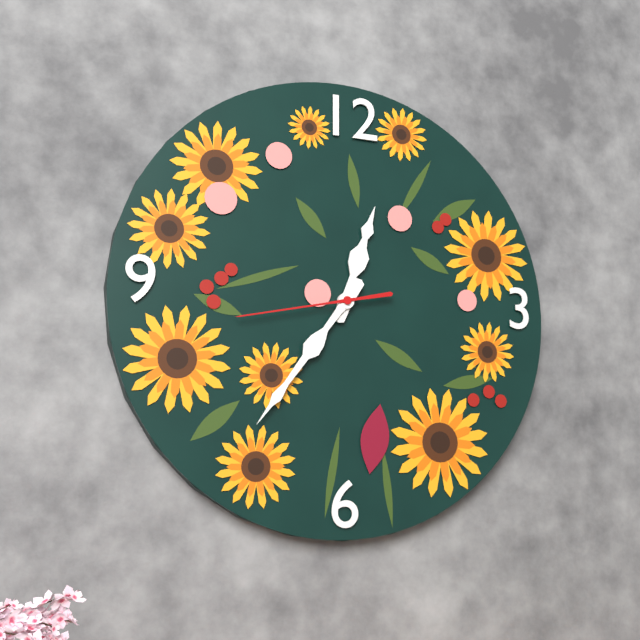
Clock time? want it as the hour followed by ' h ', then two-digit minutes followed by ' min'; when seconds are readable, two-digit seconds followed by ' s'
12 h 36 min 43 s
